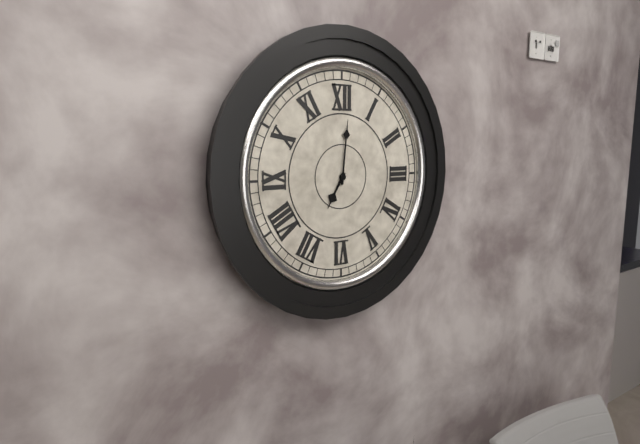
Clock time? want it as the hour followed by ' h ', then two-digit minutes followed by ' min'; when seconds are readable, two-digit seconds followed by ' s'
7 h 01 min
